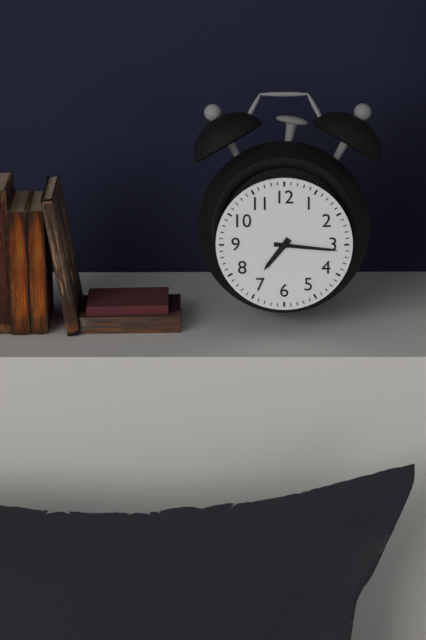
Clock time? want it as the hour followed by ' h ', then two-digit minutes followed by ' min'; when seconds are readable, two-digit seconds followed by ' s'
7 h 16 min
